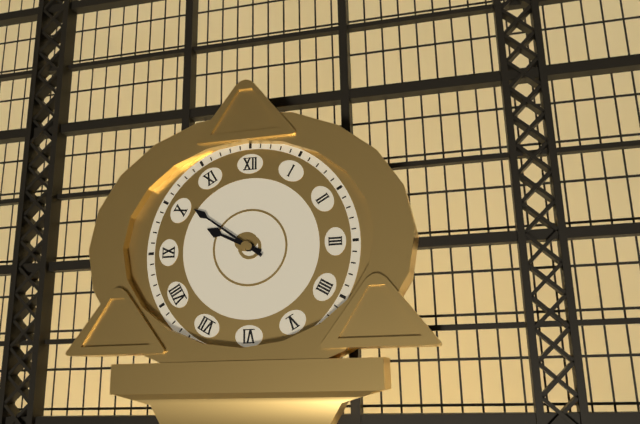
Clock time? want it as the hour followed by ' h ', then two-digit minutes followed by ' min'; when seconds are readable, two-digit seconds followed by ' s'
9 h 51 min
